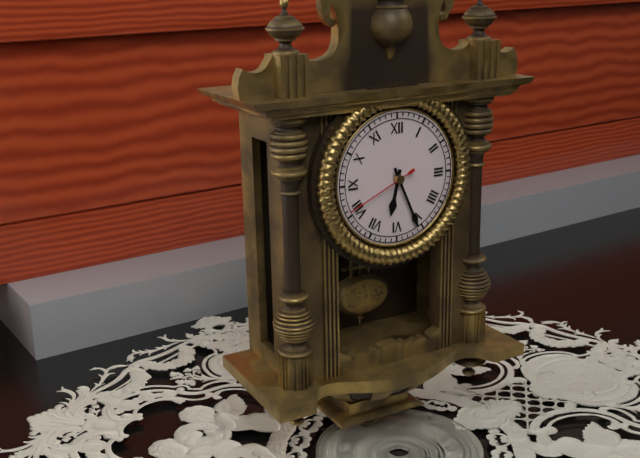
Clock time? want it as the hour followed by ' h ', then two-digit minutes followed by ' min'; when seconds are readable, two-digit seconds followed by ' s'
6 h 26 min 41 s
